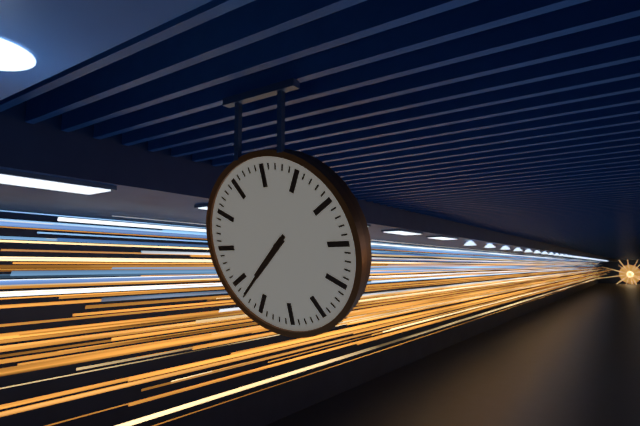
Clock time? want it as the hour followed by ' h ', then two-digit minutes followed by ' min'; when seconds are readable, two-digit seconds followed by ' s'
7 h 38 min
